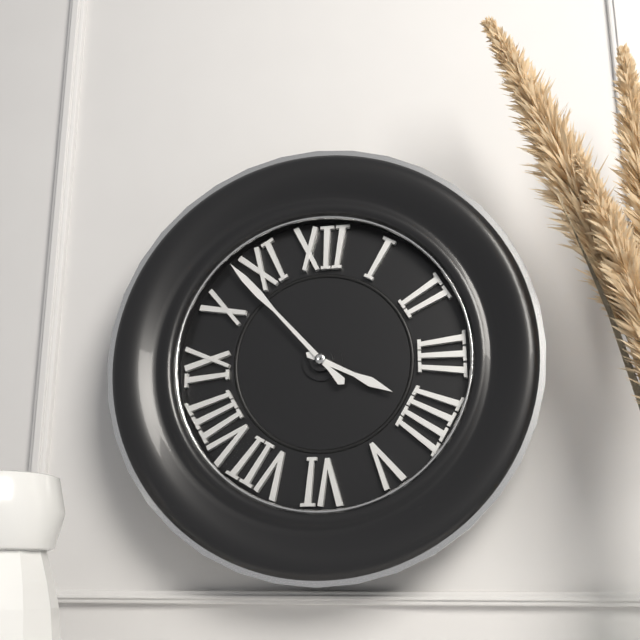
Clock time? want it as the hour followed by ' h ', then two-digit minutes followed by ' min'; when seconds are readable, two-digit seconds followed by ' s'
3 h 53 min
